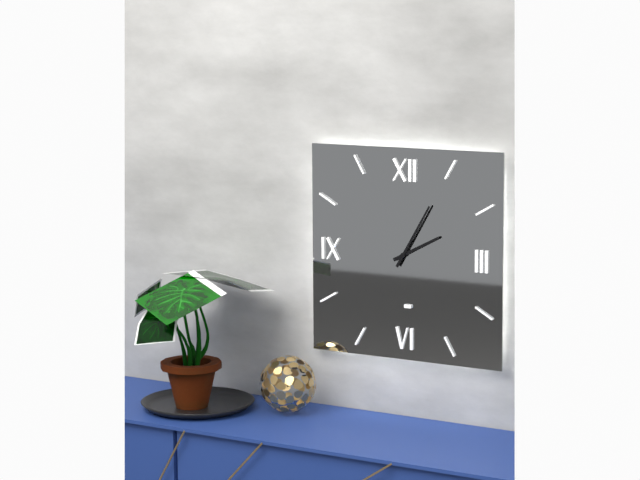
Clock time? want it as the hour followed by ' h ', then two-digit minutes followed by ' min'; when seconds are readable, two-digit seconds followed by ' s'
2 h 05 min
